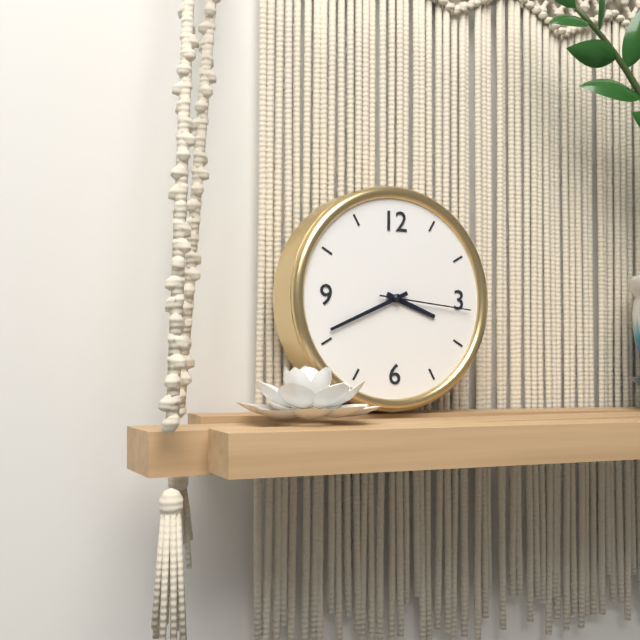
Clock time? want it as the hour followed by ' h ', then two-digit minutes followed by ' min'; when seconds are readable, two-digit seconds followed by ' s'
3 h 41 min 16 s
